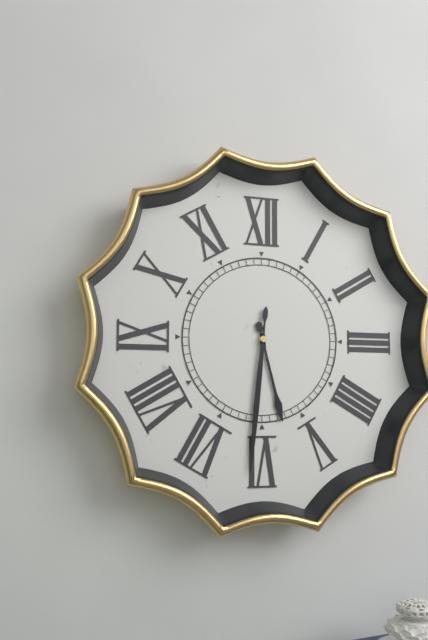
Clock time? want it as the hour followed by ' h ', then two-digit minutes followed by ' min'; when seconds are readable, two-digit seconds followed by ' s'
5 h 31 min
